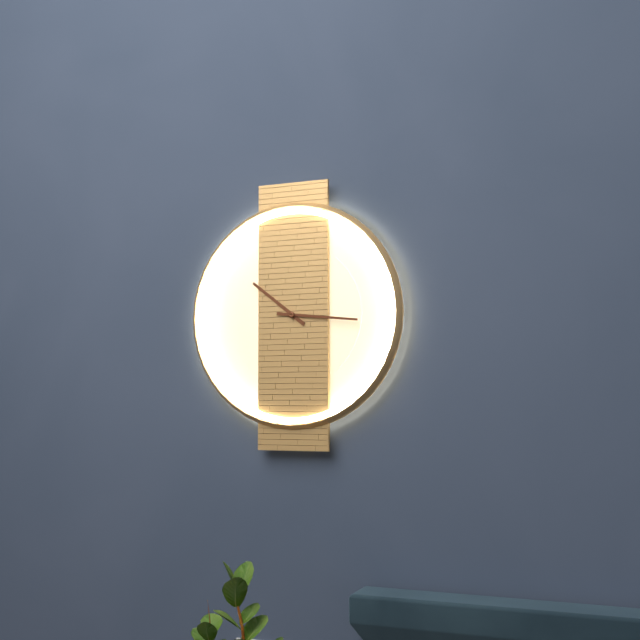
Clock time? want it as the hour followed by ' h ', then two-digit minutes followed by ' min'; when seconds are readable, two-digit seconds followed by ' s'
10 h 16 min
